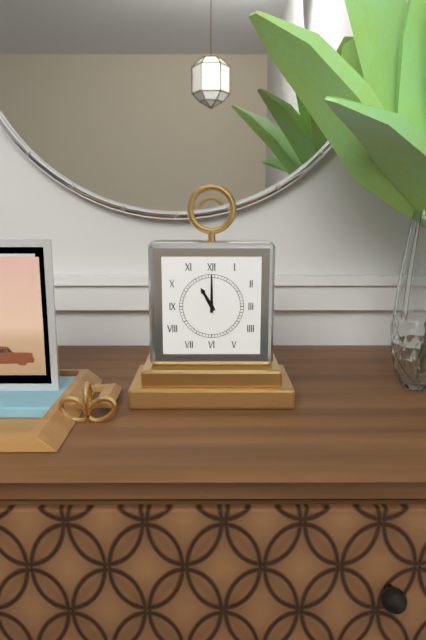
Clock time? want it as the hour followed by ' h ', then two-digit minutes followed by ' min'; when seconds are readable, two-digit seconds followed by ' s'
11 h 00 min
